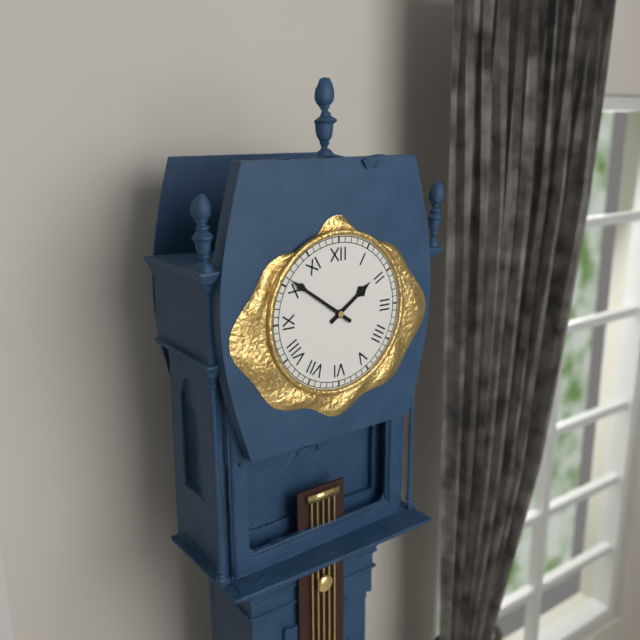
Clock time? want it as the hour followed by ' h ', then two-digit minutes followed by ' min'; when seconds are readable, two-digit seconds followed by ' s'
1 h 51 min
